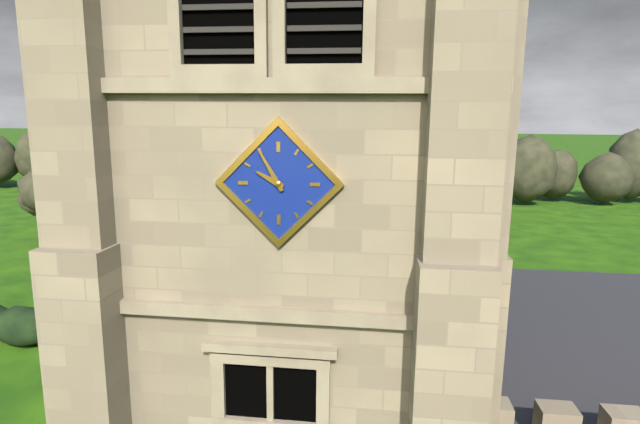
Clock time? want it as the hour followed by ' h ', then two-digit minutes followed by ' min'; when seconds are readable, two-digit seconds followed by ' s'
9 h 55 min
